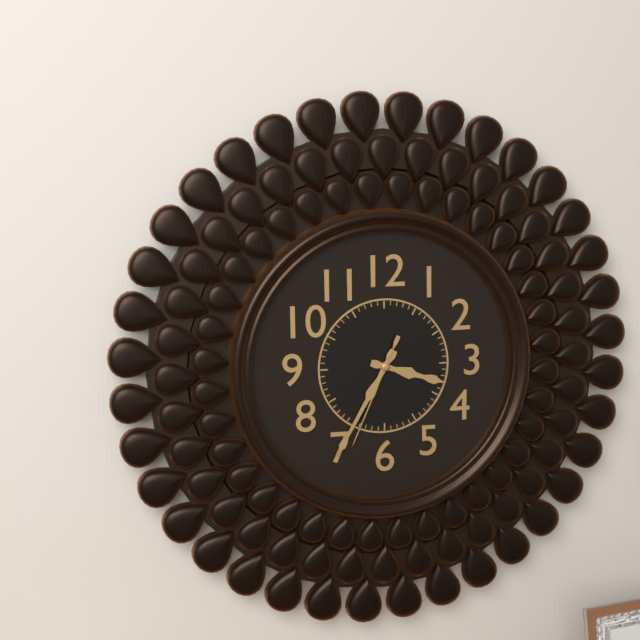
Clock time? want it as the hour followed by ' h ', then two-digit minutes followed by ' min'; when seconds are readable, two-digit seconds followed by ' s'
3 h 35 min 34 s
